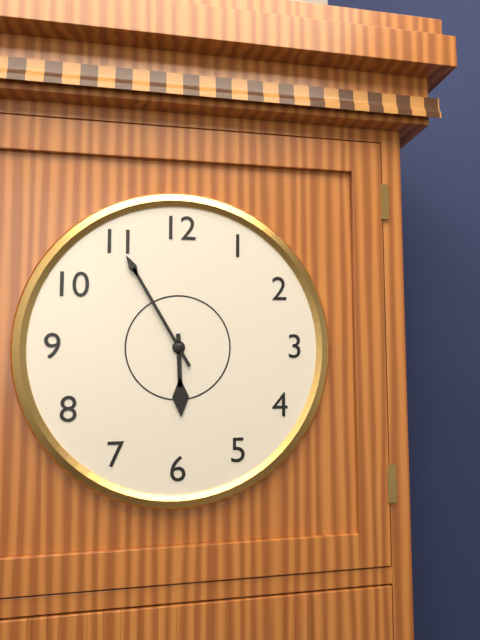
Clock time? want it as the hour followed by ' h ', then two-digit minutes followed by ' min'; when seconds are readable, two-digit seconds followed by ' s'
5 h 55 min
